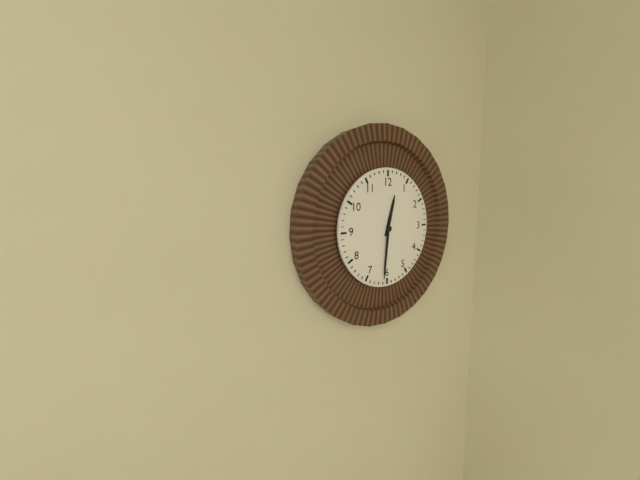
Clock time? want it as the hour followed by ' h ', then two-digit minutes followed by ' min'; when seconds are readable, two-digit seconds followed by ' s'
12 h 31 min
